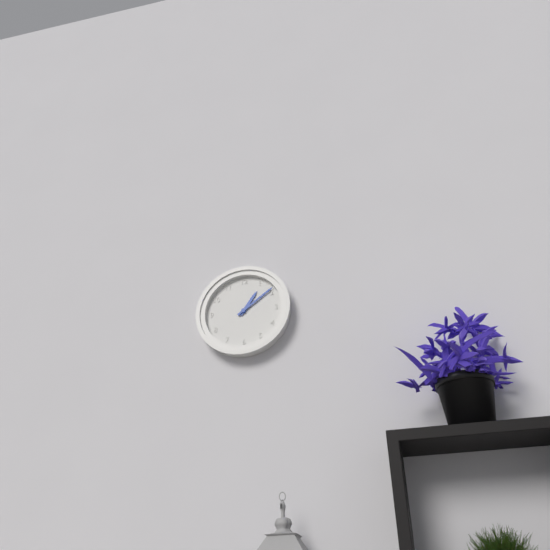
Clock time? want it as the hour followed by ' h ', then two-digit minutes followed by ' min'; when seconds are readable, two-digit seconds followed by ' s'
1 h 09 min
